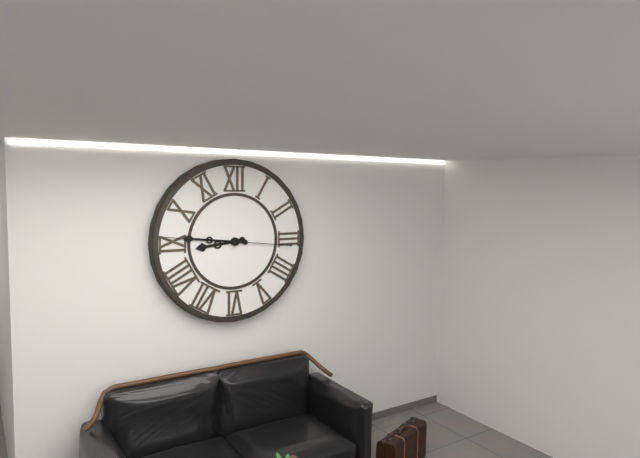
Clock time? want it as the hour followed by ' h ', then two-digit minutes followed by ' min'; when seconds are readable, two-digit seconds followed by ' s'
8 h 46 min 46 s
